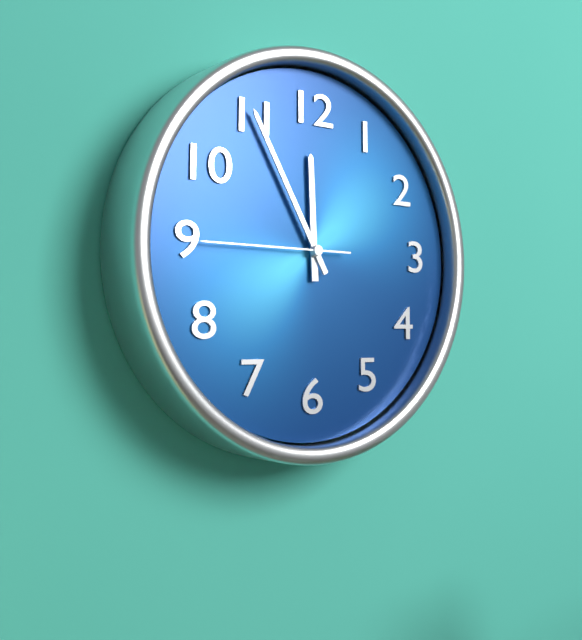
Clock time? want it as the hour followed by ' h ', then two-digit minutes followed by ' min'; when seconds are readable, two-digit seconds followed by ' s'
11 h 55 min 45 s
